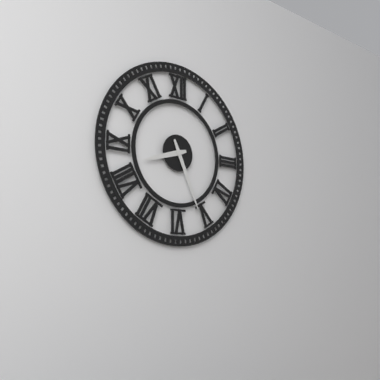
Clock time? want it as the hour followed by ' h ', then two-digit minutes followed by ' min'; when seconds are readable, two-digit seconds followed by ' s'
8 h 26 min
